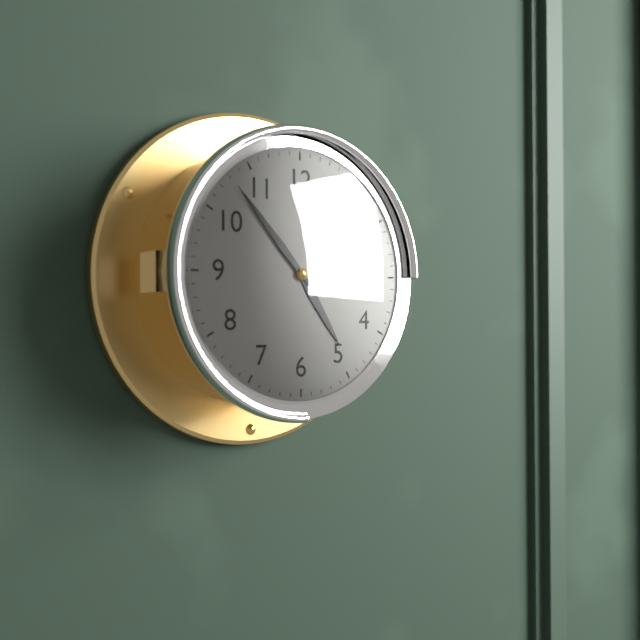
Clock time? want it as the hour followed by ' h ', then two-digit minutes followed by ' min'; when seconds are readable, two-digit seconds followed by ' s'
4 h 53 min
